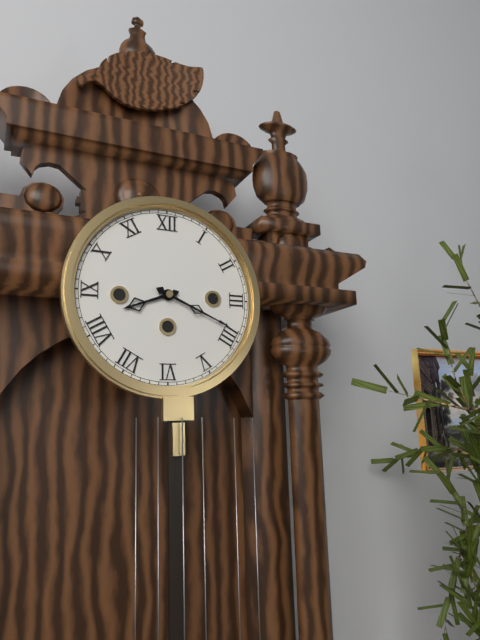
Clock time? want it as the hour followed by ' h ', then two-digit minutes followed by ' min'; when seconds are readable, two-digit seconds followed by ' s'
8 h 19 min
